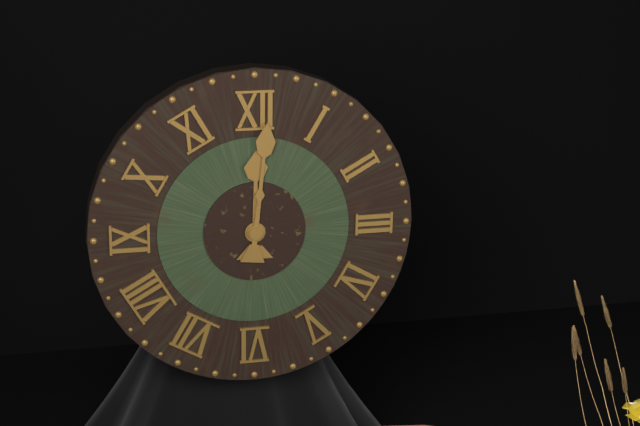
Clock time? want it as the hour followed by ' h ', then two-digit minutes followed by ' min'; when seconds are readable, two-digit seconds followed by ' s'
12 h 01 min
